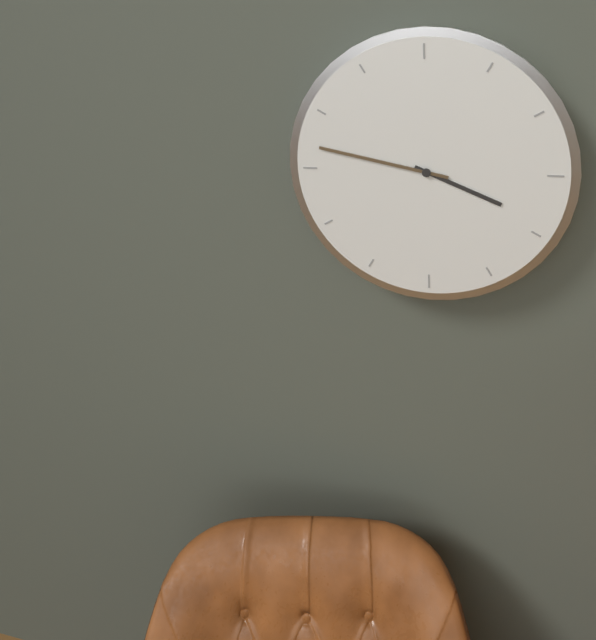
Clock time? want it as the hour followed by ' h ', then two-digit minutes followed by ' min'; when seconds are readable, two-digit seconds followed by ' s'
3 h 47 min
